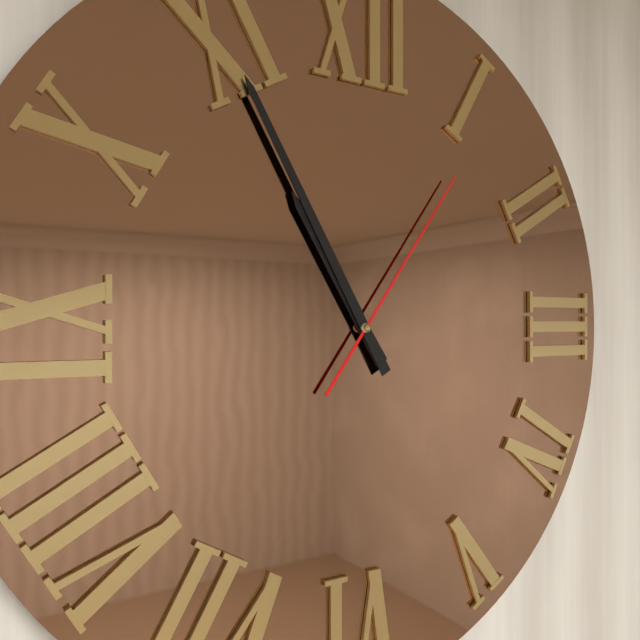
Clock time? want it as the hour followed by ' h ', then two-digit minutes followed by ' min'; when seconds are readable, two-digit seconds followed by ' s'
10 h 55 min 06 s
